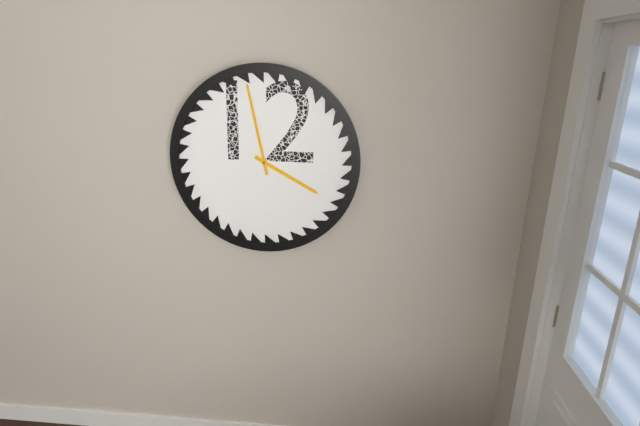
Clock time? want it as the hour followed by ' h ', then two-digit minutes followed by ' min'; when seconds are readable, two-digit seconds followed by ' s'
3 h 58 min
